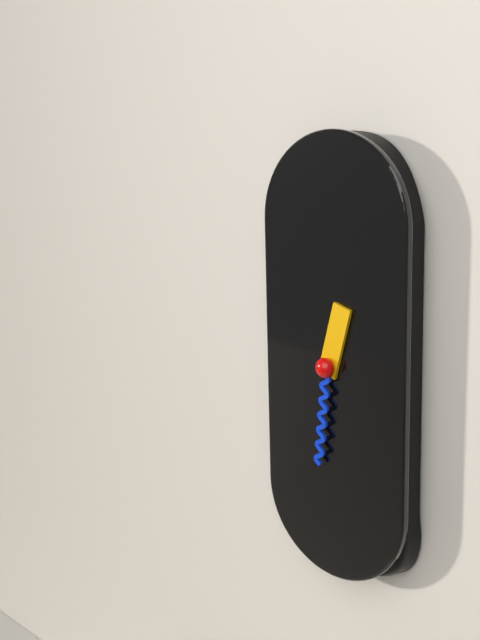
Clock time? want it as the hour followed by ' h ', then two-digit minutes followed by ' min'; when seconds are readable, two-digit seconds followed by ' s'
12 h 31 min
